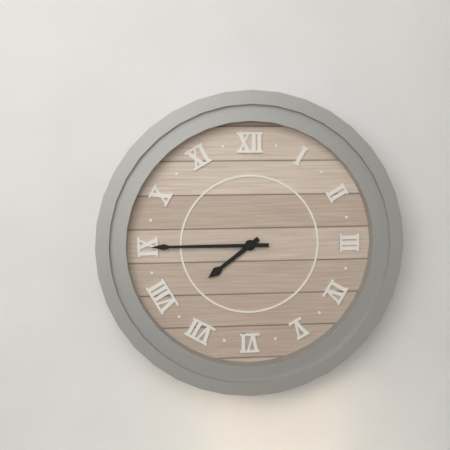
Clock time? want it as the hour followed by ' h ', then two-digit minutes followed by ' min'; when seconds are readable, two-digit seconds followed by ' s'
7 h 45 min
